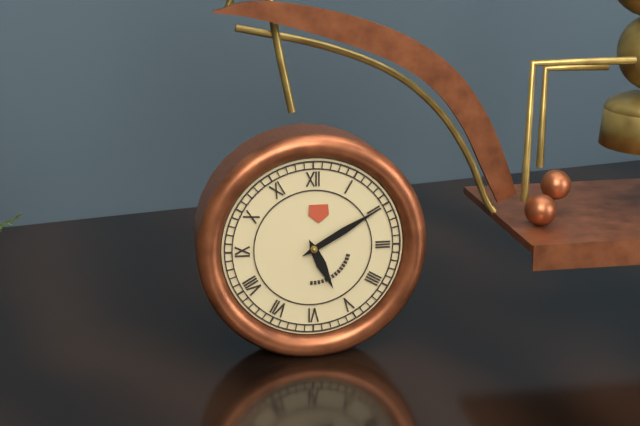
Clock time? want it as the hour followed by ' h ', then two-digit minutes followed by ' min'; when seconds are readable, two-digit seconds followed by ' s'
5 h 10 min
